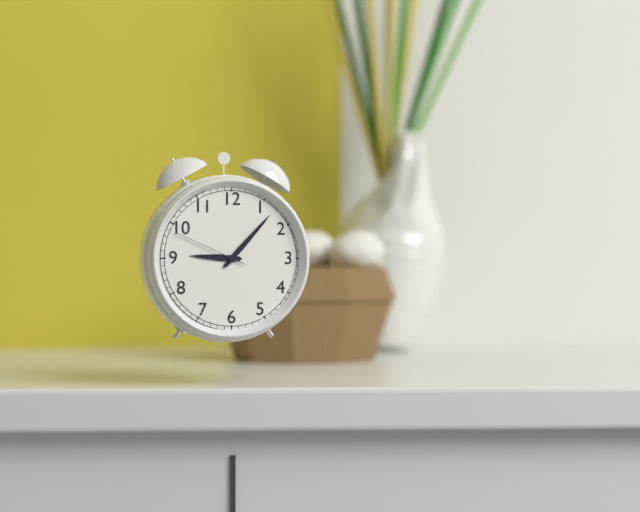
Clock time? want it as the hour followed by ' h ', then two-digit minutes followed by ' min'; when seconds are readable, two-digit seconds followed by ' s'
9 h 07 min 49 s
